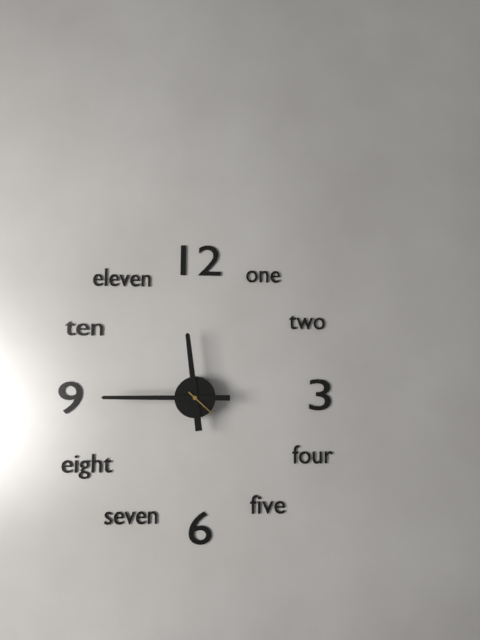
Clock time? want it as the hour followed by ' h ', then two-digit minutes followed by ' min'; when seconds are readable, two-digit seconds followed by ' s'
11 h 45 min
